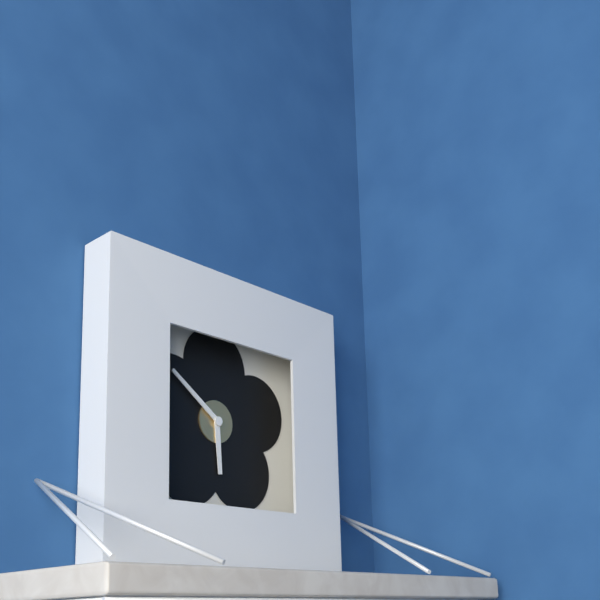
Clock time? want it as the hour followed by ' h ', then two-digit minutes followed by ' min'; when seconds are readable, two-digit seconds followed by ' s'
5 h 51 min
